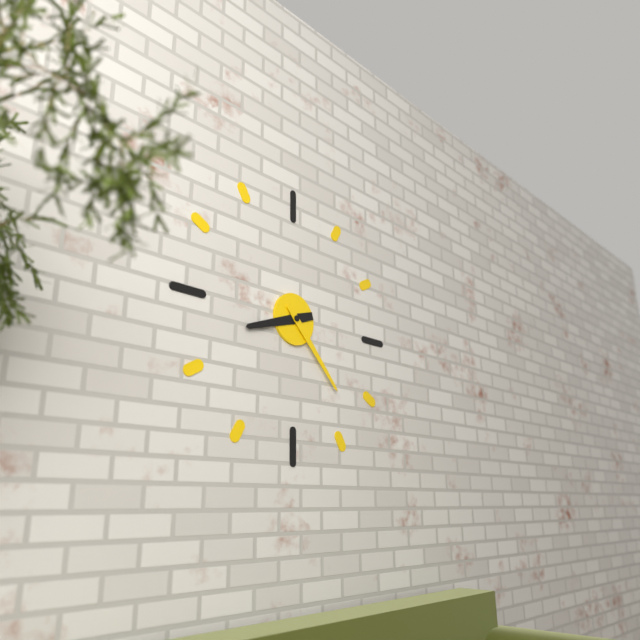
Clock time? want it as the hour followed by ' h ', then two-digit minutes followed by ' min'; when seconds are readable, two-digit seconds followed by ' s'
8 h 23 min
